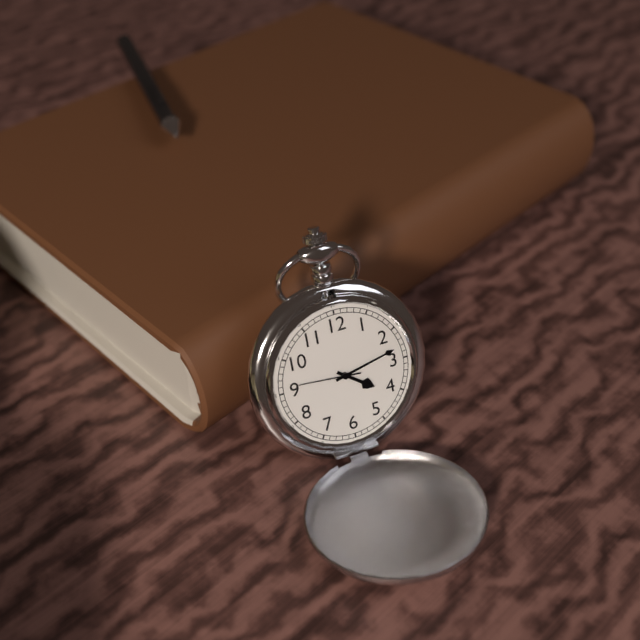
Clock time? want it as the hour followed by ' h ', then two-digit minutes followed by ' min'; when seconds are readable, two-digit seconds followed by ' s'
4 h 13 min 46 s
